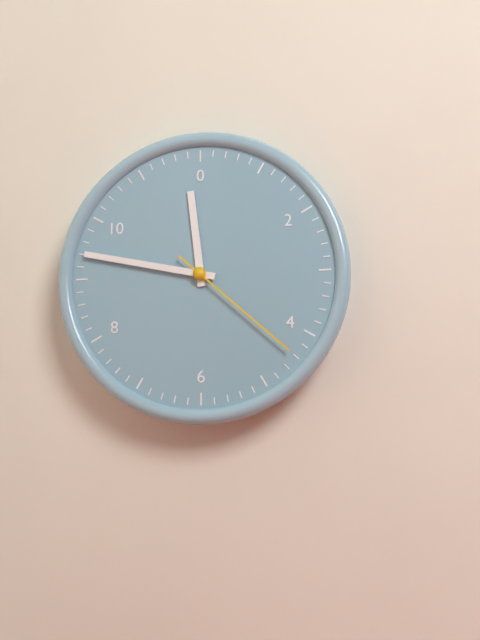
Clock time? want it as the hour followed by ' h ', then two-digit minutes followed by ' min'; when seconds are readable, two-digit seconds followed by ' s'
11 h 47 min 22 s
